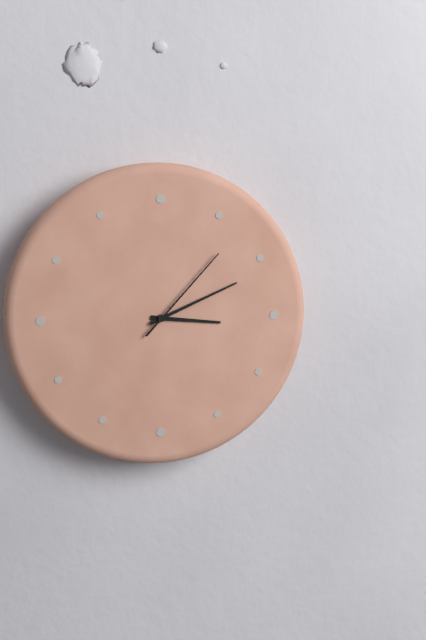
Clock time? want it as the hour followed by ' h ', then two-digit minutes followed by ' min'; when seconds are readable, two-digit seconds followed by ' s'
3 h 11 min 07 s
